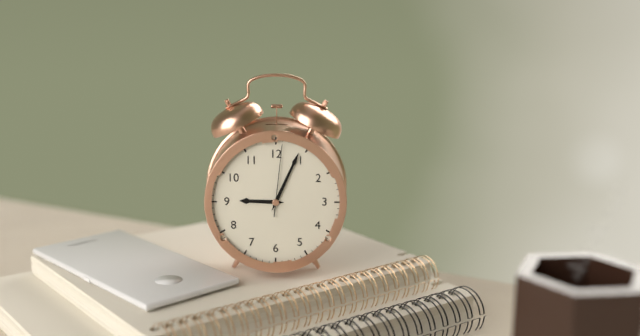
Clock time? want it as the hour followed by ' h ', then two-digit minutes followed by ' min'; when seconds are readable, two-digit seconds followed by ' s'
9 h 04 min 01 s
